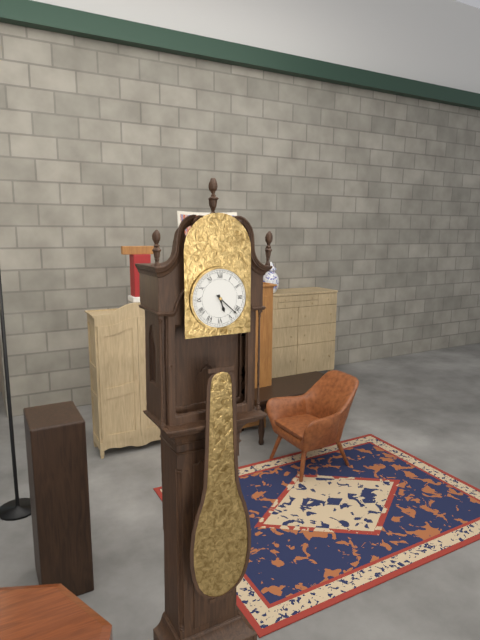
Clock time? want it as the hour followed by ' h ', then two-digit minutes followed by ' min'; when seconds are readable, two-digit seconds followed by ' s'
5 h 22 min
